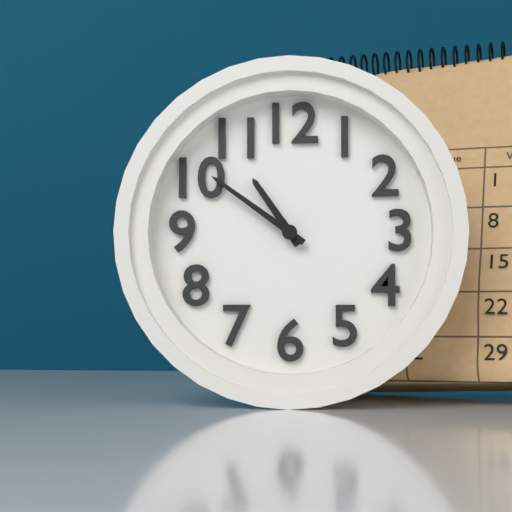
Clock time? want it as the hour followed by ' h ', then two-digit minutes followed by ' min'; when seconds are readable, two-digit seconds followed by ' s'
10 h 51 min
